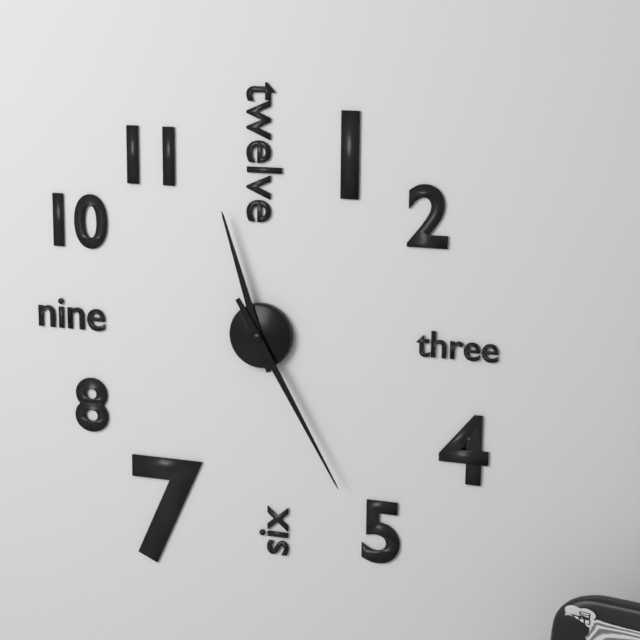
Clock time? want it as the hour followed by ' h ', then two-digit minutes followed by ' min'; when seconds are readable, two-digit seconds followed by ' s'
11 h 25 min
